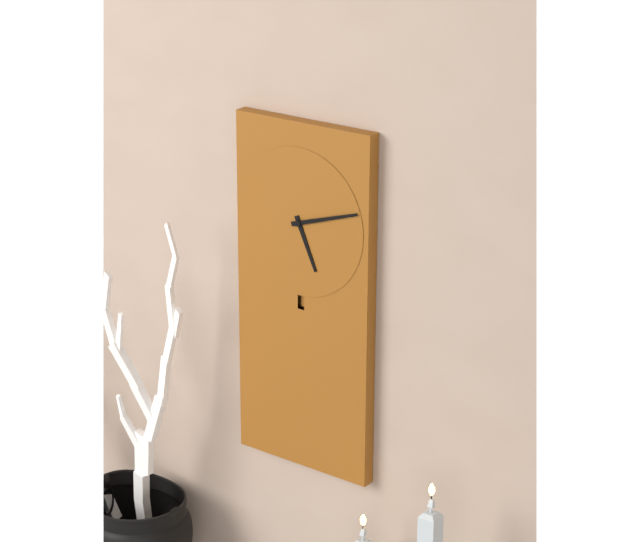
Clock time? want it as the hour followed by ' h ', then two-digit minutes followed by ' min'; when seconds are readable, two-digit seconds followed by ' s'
5 h 12 min
